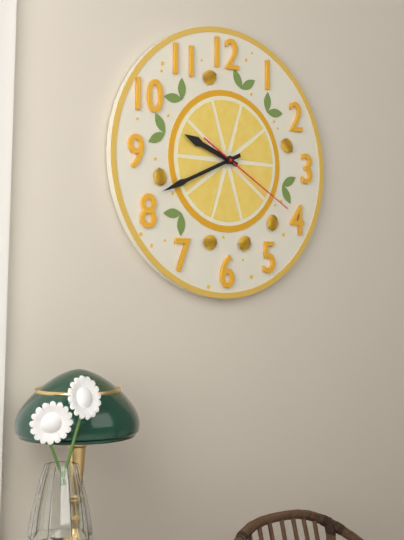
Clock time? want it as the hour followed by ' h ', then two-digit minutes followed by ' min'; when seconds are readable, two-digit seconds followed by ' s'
9 h 41 min 20 s
